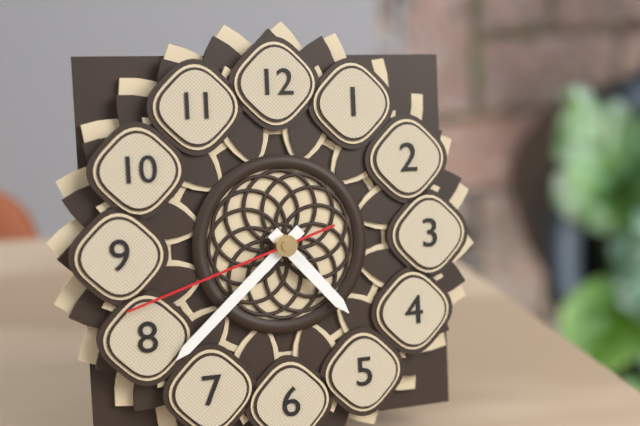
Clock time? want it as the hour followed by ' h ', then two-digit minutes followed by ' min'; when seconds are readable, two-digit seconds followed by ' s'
4 h 38 min 42 s
